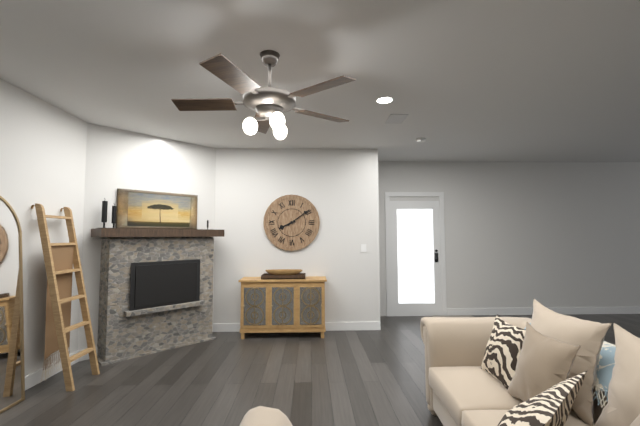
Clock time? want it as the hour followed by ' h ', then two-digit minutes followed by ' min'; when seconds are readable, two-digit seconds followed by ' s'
8 h 09 min
